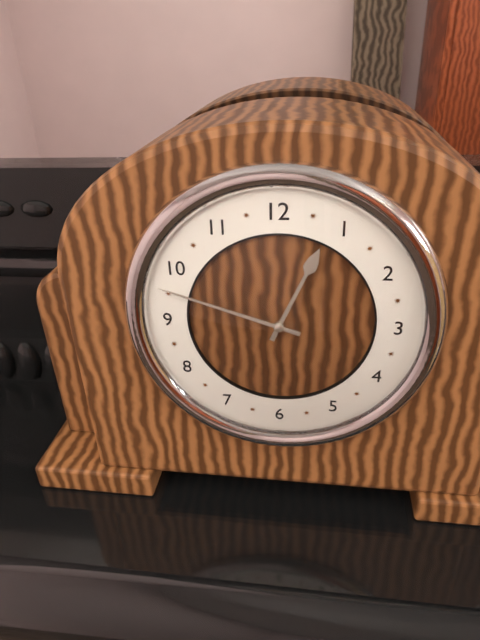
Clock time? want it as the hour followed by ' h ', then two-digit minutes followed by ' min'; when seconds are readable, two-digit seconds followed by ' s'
12 h 48 min
